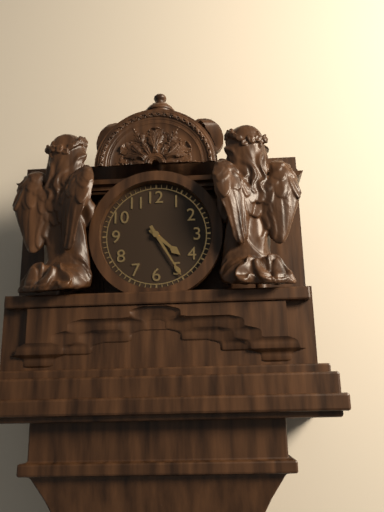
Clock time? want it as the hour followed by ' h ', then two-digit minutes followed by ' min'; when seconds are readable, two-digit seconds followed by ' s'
4 h 25 min
